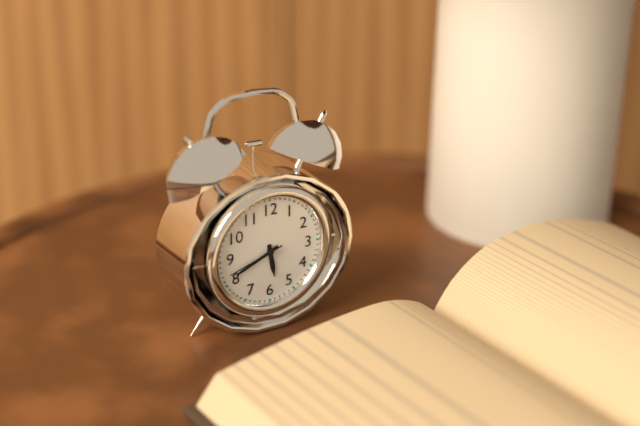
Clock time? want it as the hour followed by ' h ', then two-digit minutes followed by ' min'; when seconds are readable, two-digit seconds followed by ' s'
5 h 41 min 42 s
